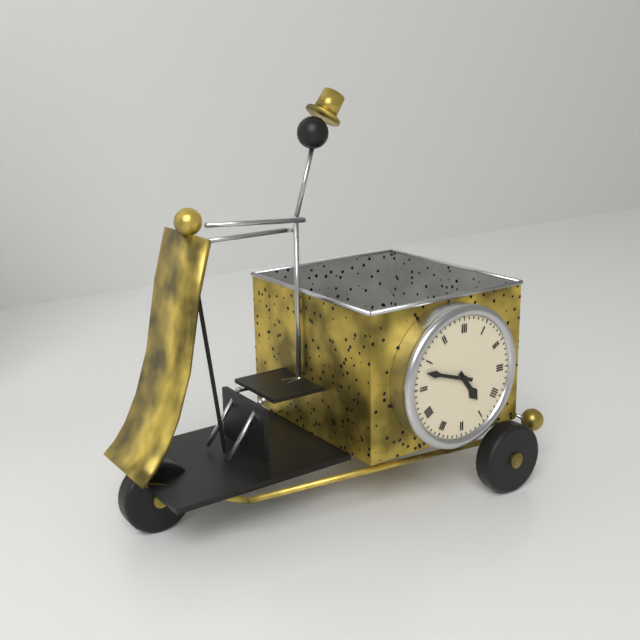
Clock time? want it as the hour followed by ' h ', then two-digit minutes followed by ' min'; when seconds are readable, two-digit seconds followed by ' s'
4 h 48 min
